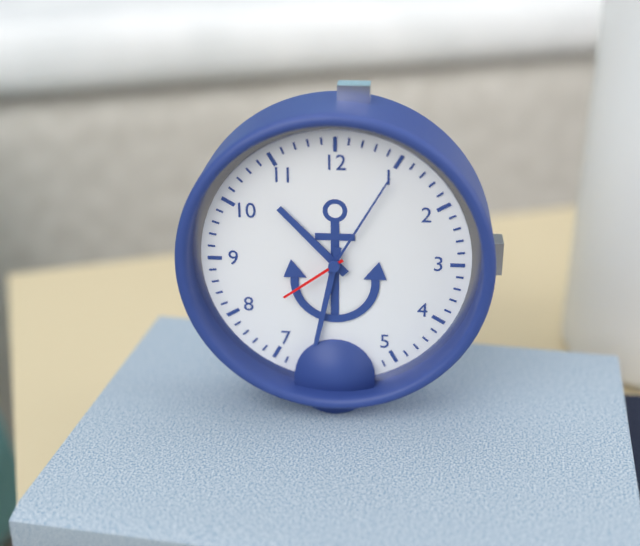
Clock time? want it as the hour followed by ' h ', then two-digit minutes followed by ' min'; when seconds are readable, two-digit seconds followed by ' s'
10 h 32 min 39 s
